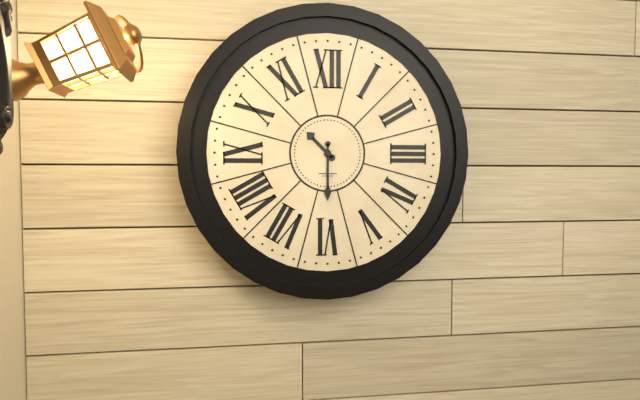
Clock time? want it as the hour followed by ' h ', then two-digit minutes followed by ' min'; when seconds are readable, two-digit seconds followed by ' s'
10 h 30 min
